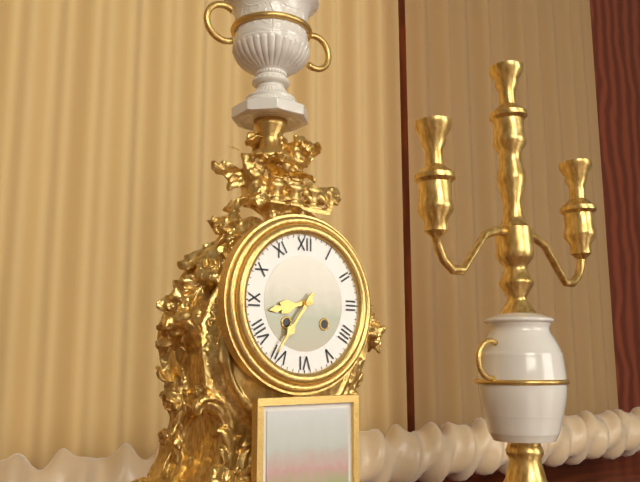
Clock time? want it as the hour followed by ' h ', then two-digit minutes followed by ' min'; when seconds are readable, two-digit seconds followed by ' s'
8 h 36 min
